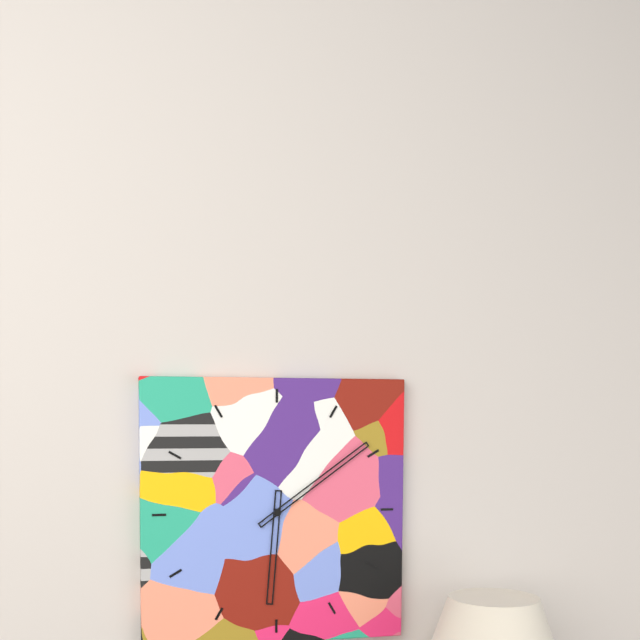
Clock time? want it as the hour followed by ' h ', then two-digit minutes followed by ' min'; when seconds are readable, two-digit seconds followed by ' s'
6 h 09 min
